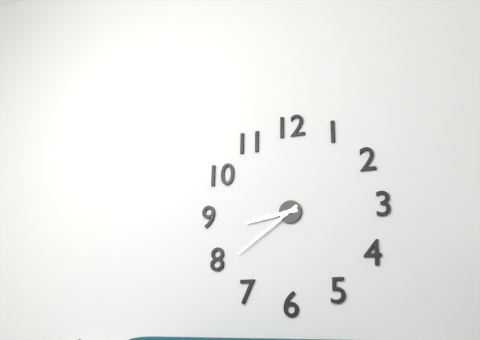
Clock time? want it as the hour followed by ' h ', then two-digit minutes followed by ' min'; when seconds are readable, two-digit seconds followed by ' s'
8 h 39 min
